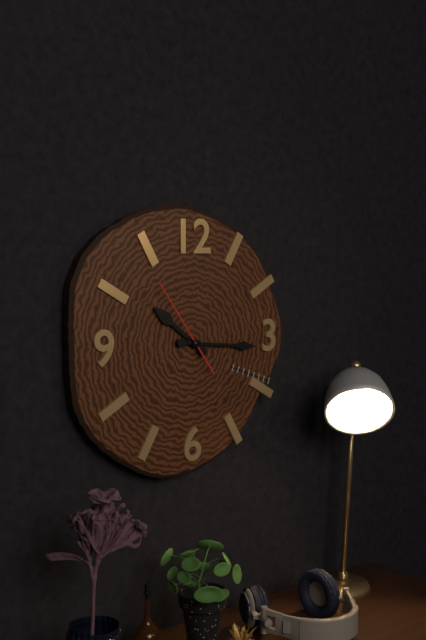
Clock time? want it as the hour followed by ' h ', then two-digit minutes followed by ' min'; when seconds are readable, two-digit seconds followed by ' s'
10 h 16 min 54 s
